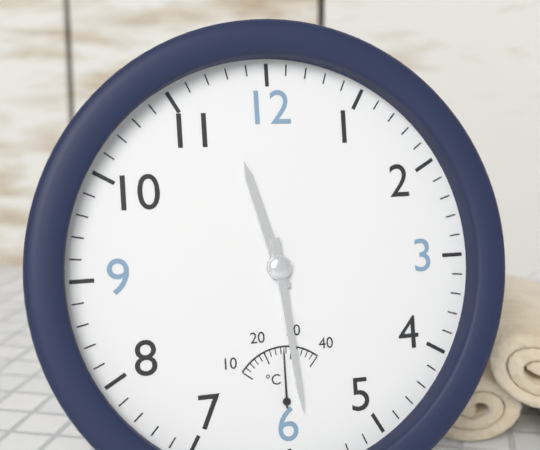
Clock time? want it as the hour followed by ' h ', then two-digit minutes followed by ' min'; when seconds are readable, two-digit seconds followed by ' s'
11 h 29 min
